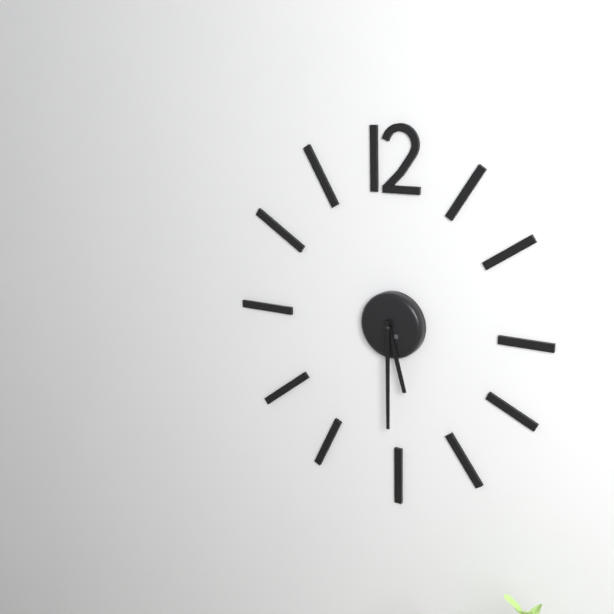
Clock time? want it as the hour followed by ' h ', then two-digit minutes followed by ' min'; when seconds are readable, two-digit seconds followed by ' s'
5 h 30 min
